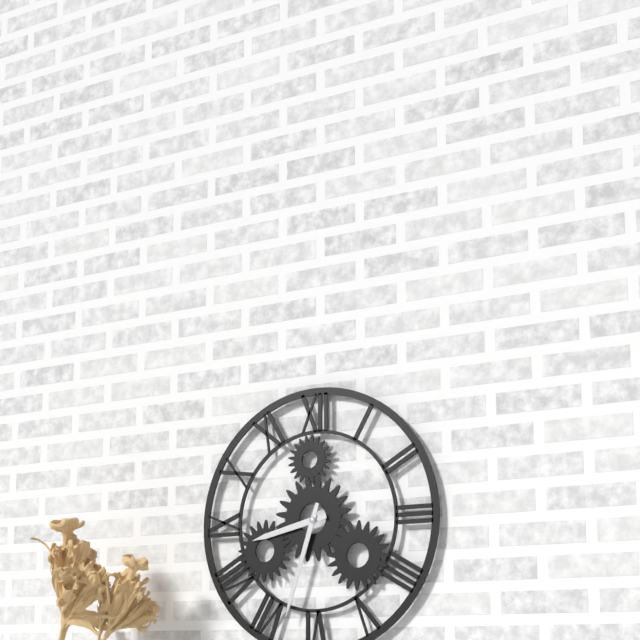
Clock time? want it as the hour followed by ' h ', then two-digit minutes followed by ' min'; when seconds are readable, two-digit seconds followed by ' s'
8 h 33 min
